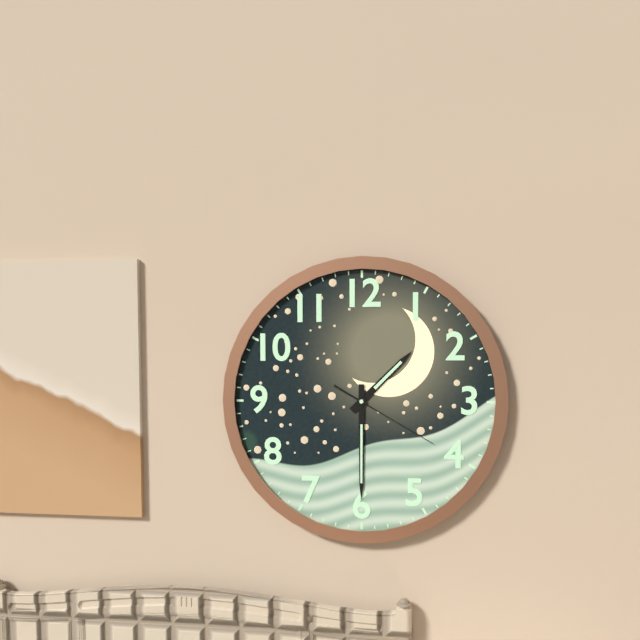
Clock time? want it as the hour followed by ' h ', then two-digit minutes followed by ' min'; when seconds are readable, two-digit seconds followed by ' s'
1 h 30 min 20 s
